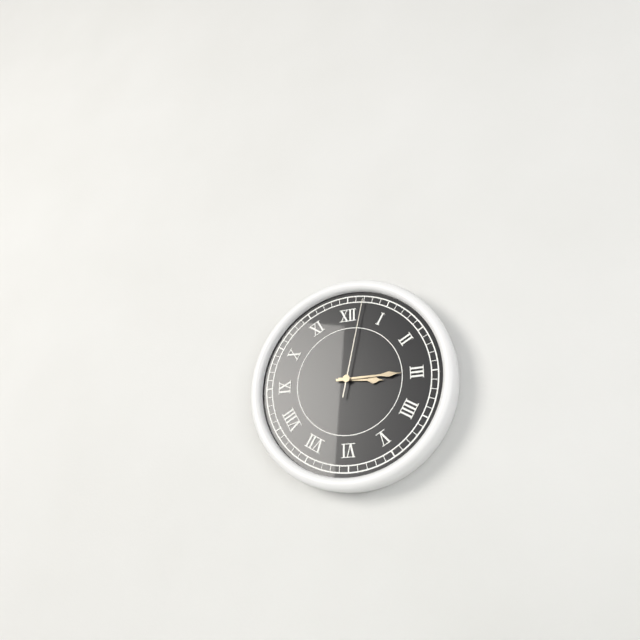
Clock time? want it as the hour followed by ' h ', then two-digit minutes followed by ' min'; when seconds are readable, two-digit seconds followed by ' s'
3 h 15 min 02 s
